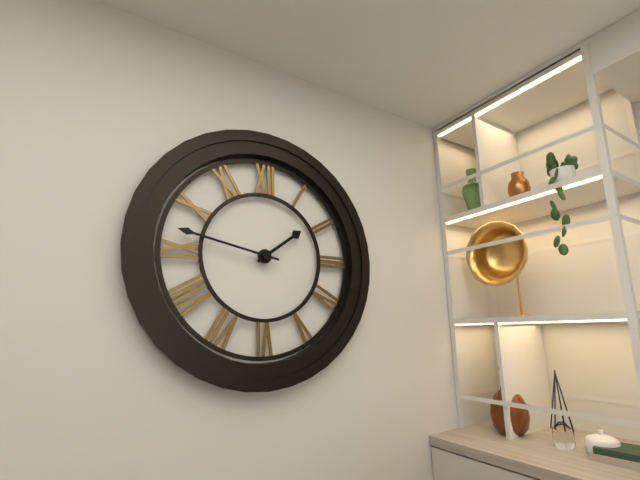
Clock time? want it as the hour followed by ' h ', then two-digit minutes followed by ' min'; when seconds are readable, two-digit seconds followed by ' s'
1 h 47 min
